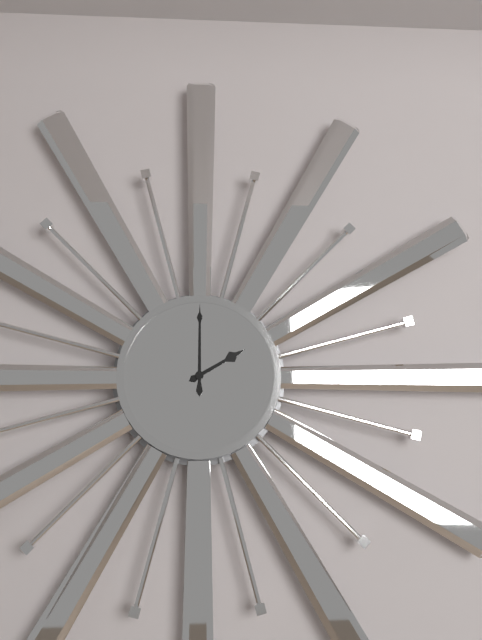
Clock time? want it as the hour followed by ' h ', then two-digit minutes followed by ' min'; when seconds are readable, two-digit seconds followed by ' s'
2 h 00 min
